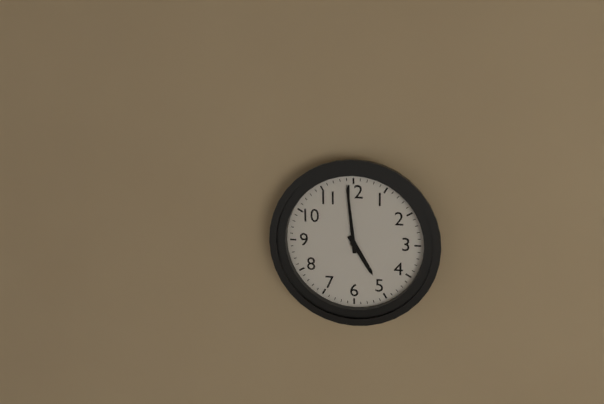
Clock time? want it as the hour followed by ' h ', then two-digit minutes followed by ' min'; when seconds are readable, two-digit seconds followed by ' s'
4 h 59 min
